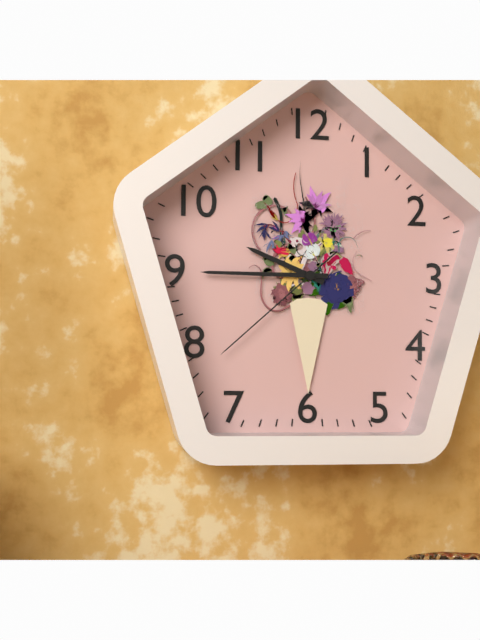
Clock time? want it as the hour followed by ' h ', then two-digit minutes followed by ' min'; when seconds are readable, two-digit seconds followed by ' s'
9 h 45 min 38 s
